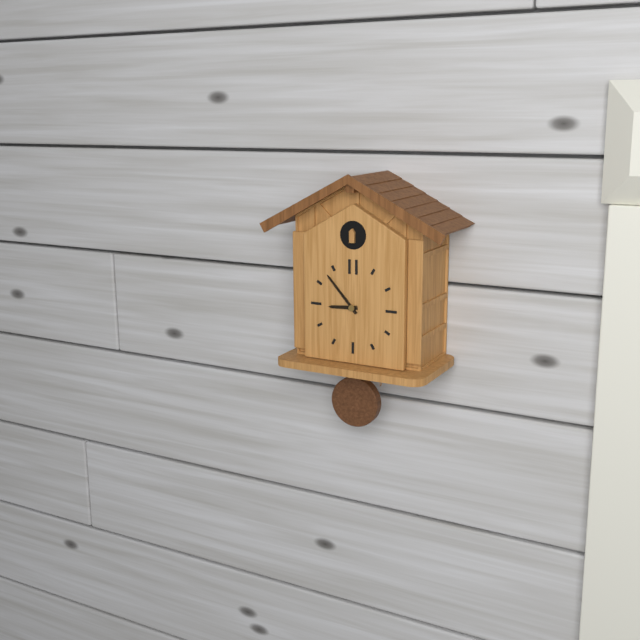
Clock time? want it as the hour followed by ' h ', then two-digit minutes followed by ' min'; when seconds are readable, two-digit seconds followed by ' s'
8 h 53 min
